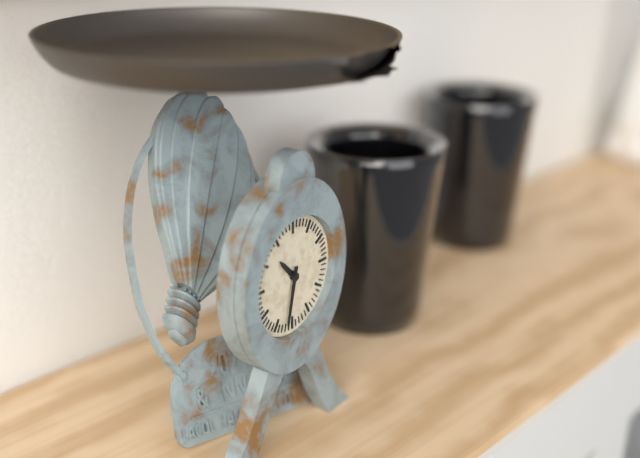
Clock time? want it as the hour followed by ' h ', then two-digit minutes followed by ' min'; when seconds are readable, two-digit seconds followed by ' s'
10 h 32 min
